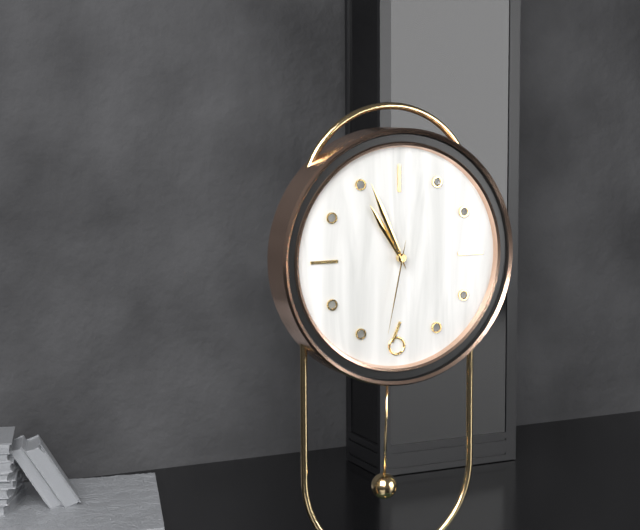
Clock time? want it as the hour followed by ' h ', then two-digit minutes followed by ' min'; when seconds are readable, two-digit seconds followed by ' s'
10 h 56 min 32 s
